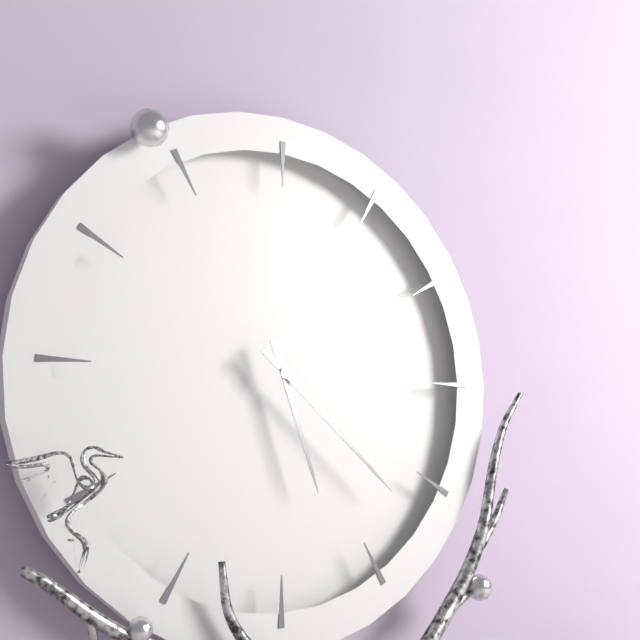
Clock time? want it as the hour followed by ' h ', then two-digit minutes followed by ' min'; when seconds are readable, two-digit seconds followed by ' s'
5 h 22 min
